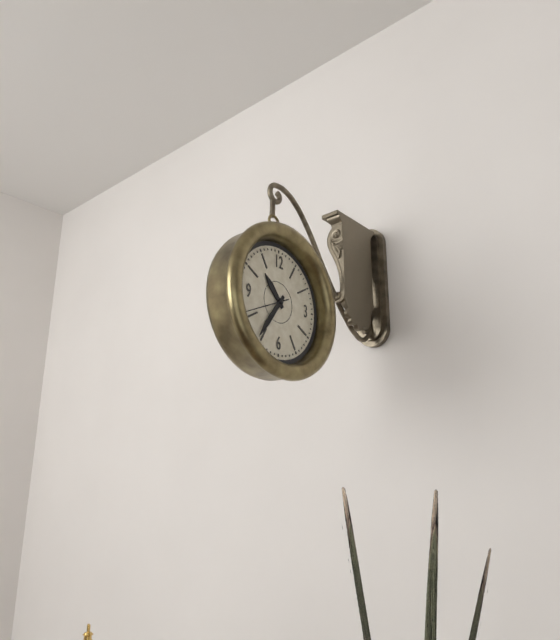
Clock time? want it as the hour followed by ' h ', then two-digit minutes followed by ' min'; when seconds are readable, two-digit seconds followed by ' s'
10 h 36 min 41 s
